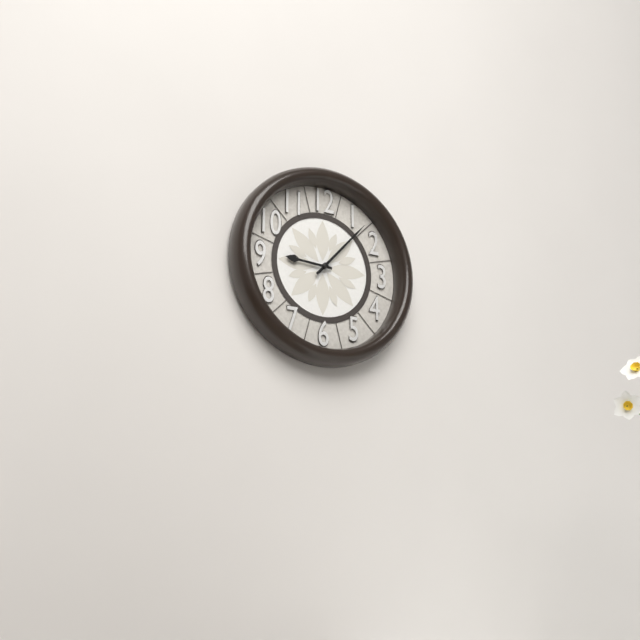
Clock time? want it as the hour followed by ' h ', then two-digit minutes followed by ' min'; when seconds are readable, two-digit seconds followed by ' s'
9 h 07 min
